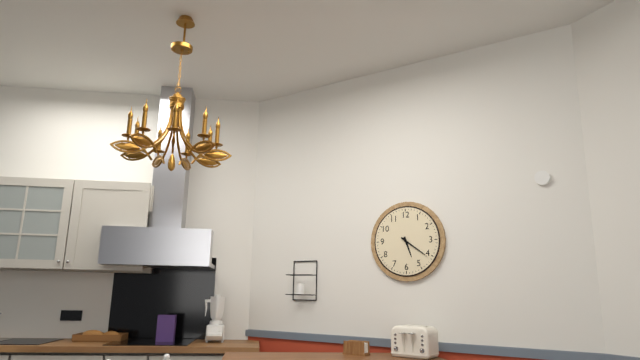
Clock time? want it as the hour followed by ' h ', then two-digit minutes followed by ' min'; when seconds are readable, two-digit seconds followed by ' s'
5 h 21 min
